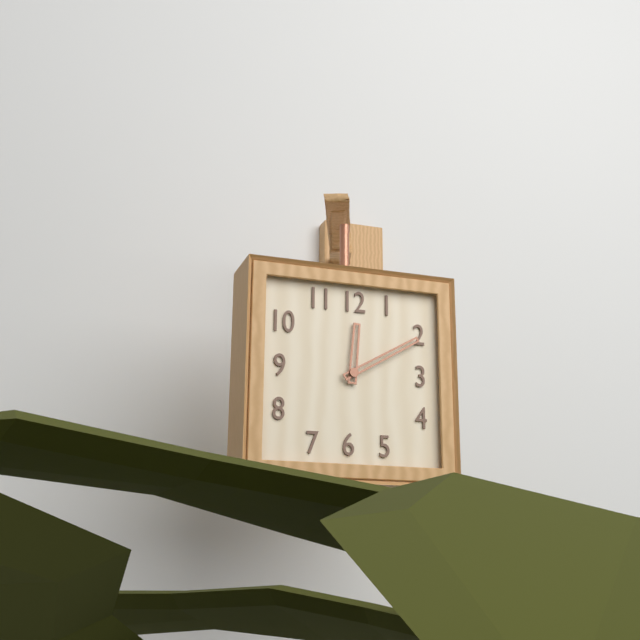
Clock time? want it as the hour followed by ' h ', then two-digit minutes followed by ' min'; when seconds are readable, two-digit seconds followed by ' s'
12 h 10 min
